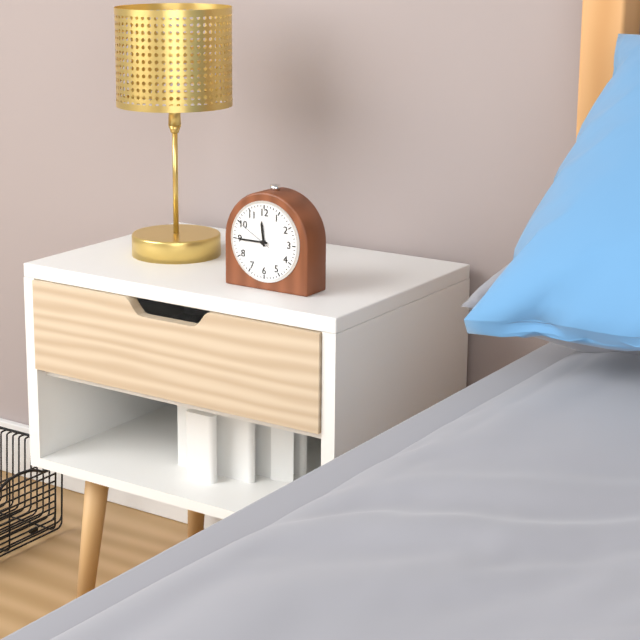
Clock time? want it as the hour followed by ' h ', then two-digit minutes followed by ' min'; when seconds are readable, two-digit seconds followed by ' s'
11 h 45 min
